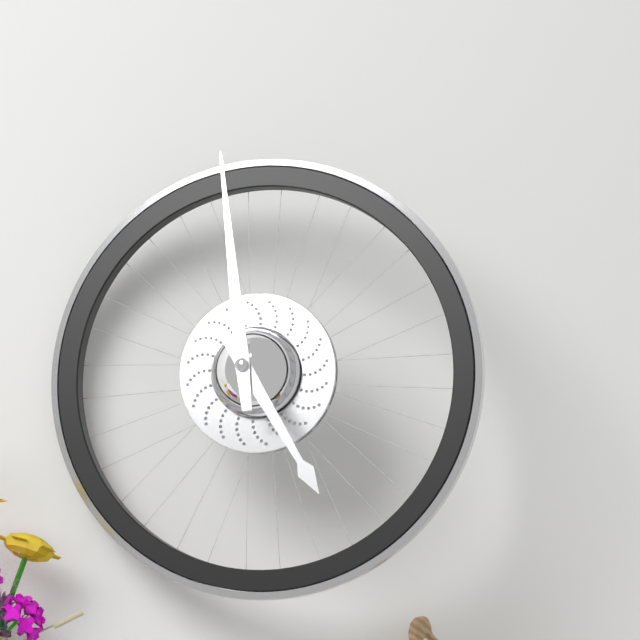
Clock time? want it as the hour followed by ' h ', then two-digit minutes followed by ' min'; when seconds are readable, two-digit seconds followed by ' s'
4 h 59 min
